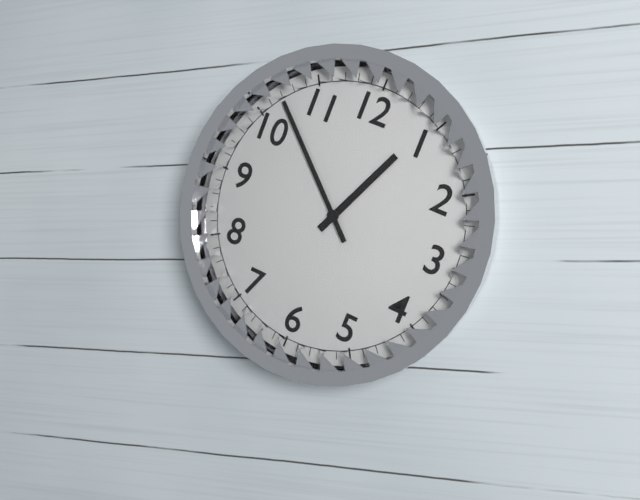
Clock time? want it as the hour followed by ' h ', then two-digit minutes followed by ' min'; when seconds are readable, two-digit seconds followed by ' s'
12 h 52 min
